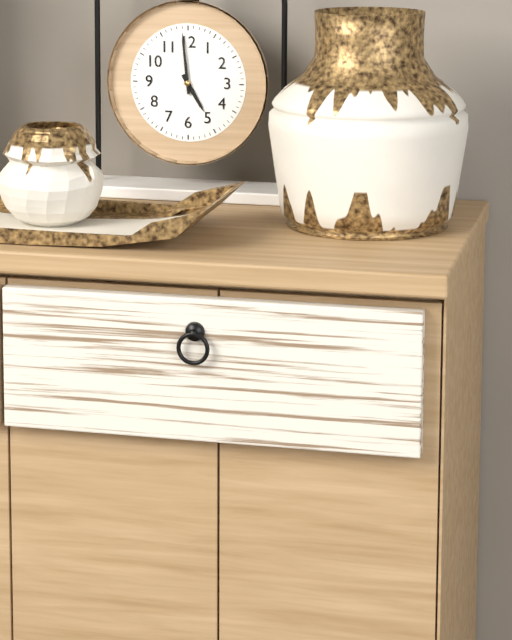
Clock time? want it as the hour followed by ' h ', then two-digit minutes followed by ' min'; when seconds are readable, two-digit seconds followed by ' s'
4 h 59 min
